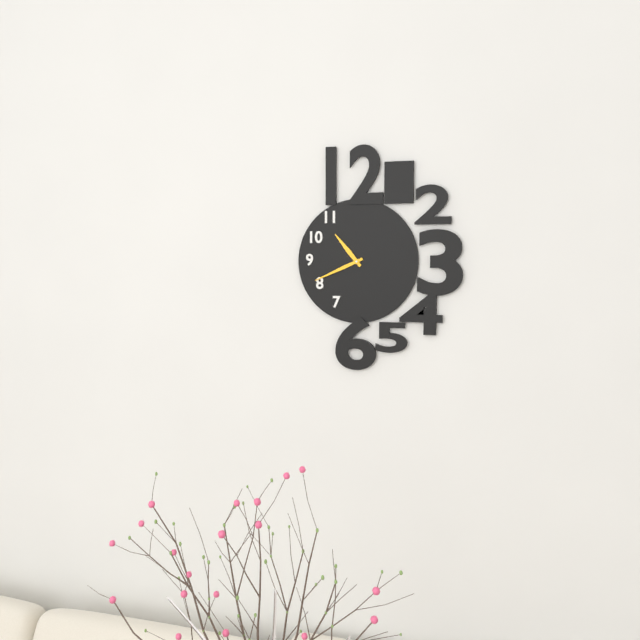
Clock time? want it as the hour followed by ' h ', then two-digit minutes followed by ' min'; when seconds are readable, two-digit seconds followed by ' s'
10 h 41 min
